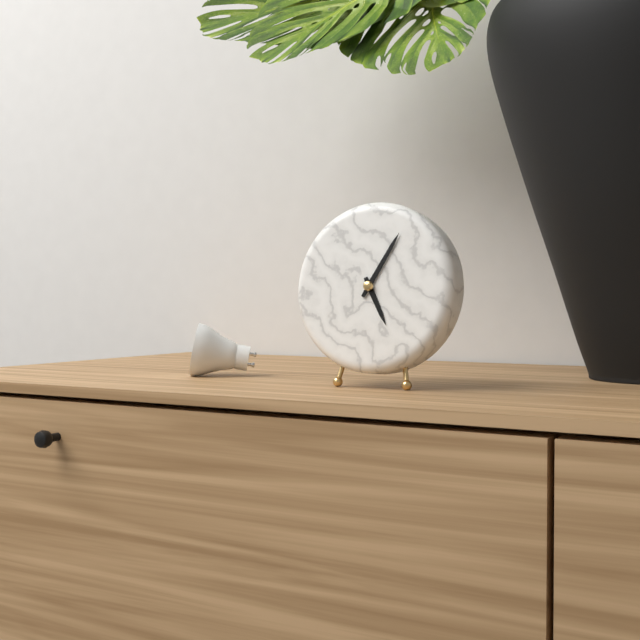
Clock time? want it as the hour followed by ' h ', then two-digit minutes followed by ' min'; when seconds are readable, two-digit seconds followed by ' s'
5 h 05 min
